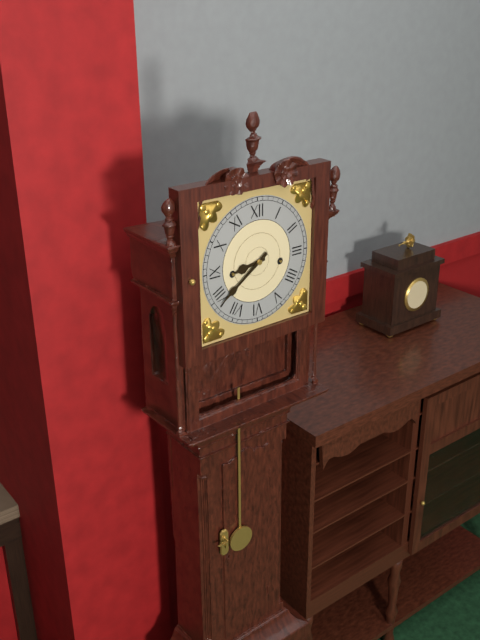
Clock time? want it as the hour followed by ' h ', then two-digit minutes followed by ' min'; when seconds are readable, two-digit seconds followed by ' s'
8 h 39 min
